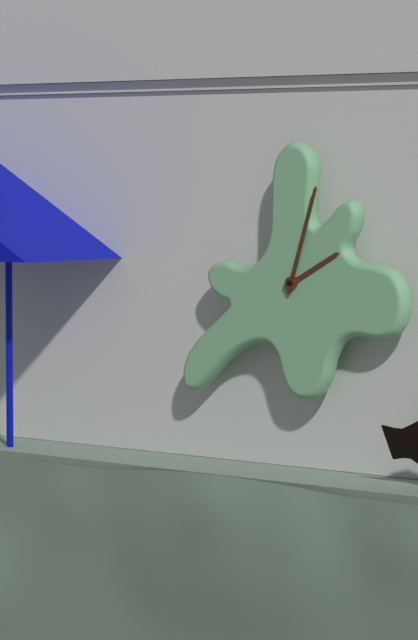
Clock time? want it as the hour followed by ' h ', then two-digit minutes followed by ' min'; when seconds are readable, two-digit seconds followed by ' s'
2 h 03 min
